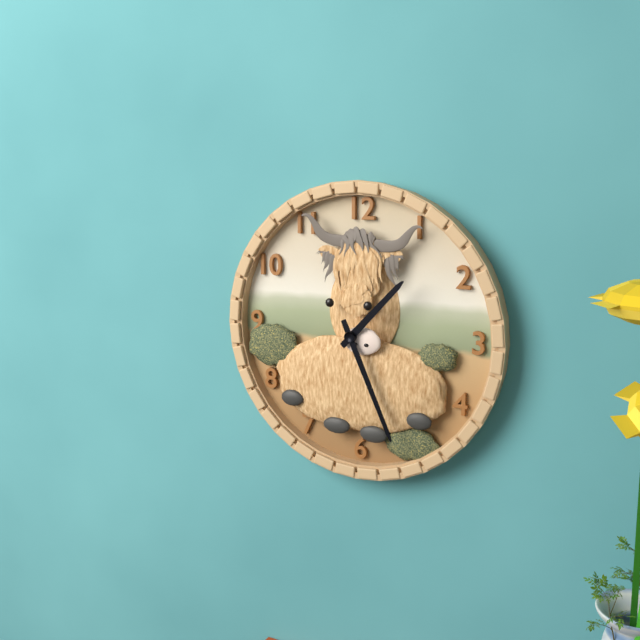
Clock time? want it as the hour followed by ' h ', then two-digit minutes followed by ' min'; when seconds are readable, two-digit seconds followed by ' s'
1 h 26 min
